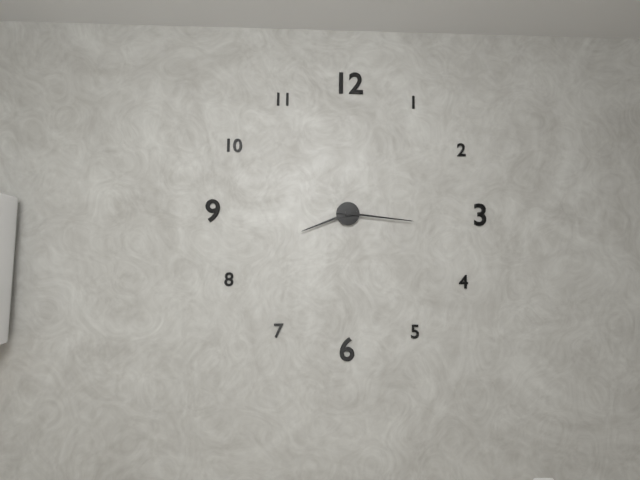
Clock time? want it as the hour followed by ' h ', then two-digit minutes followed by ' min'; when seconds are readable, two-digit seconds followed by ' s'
8 h 16 min
